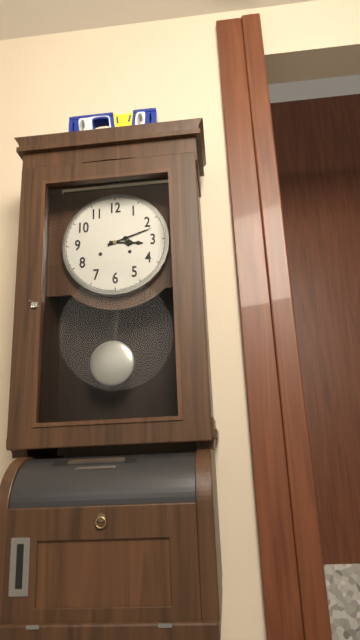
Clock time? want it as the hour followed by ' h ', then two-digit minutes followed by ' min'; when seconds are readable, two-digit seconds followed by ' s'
3 h 12 min
